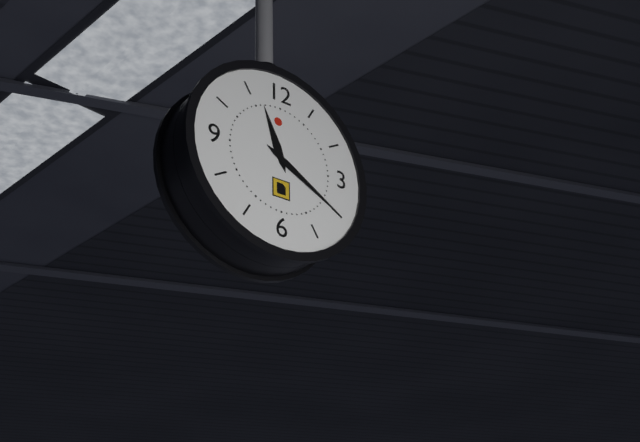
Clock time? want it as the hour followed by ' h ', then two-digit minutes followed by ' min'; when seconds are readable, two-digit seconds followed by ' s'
11 h 20 min
